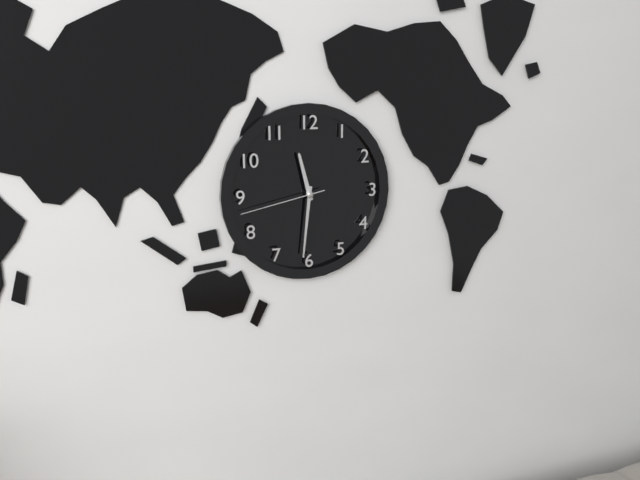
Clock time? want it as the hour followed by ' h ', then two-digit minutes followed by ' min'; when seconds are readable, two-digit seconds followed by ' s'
11 h 31 min 43 s
